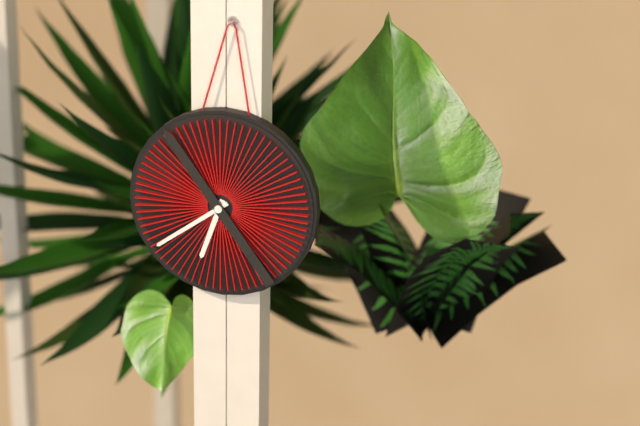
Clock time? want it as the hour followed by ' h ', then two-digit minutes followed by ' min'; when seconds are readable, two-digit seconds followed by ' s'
6 h 39 min 54 s
